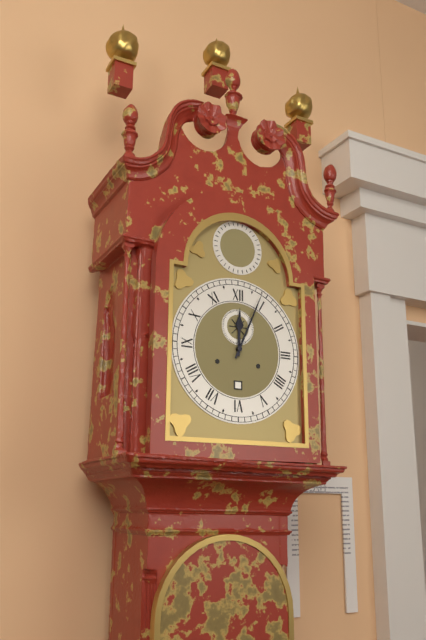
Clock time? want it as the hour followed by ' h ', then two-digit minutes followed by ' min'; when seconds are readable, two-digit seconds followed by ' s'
12 h 04 min
